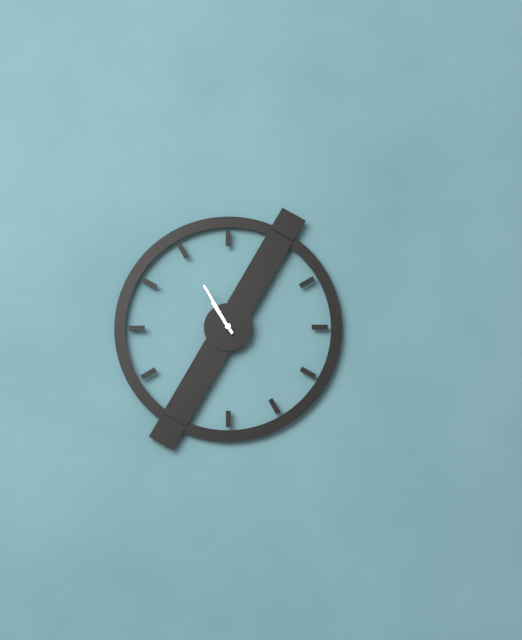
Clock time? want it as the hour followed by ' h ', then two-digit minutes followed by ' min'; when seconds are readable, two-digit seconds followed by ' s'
10 h 55 min
